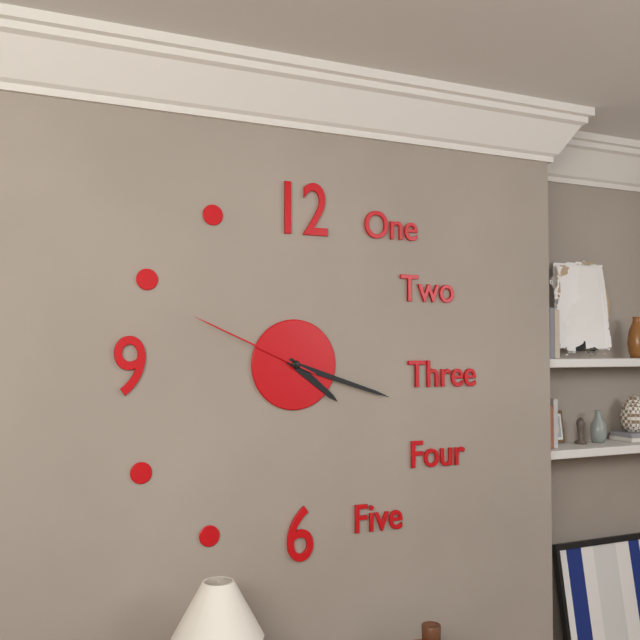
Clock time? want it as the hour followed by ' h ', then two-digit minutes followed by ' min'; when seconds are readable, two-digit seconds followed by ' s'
4 h 18 min 49 s
